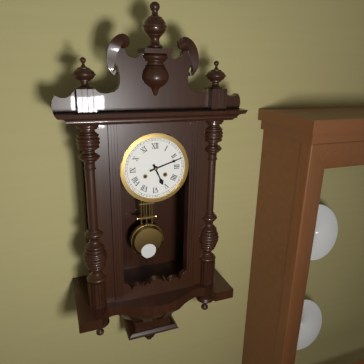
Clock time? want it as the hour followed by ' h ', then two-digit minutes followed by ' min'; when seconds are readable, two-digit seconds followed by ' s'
5 h 12 min
